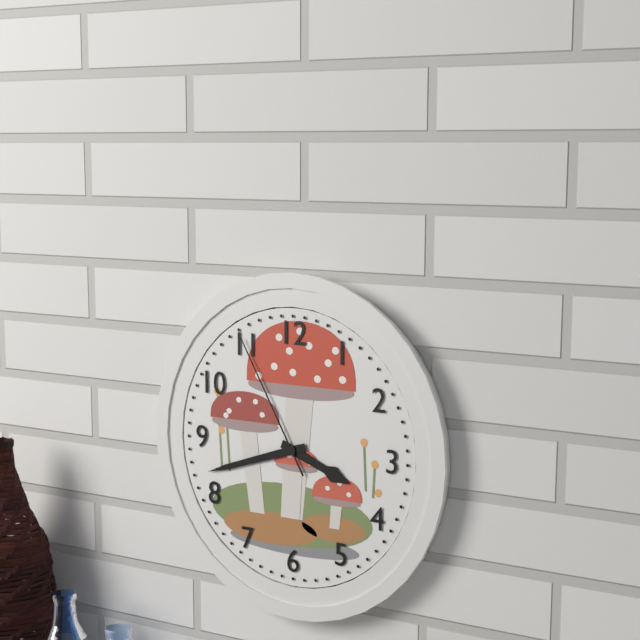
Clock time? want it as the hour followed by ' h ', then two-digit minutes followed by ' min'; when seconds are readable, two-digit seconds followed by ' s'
3 h 42 min 55 s
